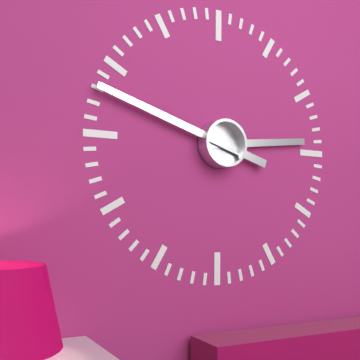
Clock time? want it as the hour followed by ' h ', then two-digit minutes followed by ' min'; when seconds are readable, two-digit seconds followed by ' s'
2 h 48 min
